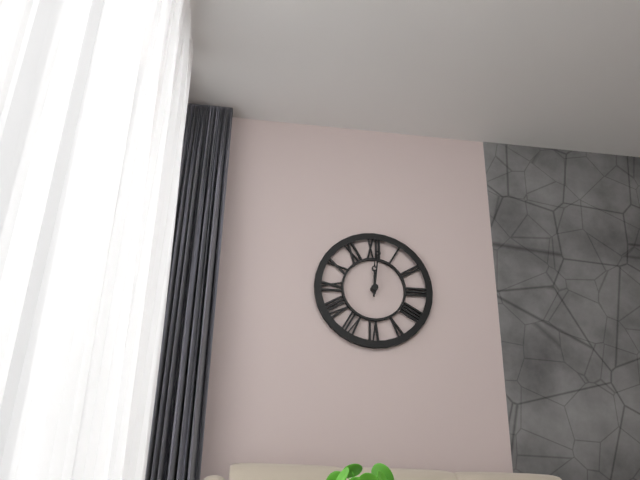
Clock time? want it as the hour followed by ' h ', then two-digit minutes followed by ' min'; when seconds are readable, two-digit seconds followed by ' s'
12 h 01 min
